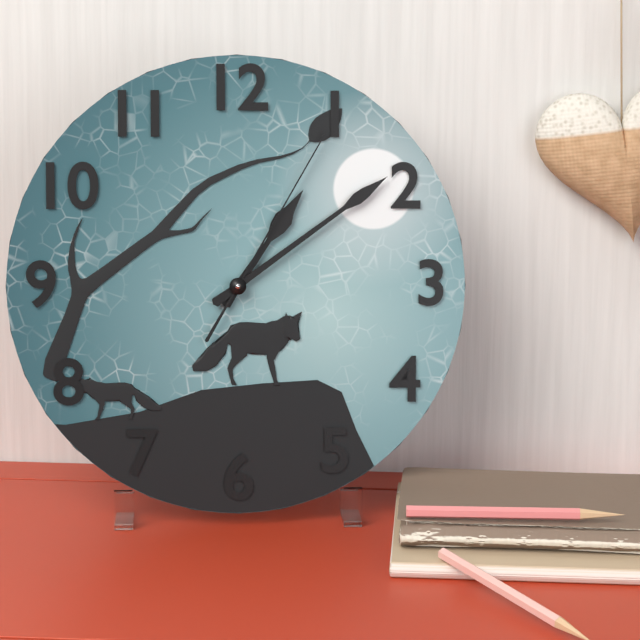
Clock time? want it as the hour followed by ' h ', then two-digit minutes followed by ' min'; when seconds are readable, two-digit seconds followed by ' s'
1 h 09 min 05 s
